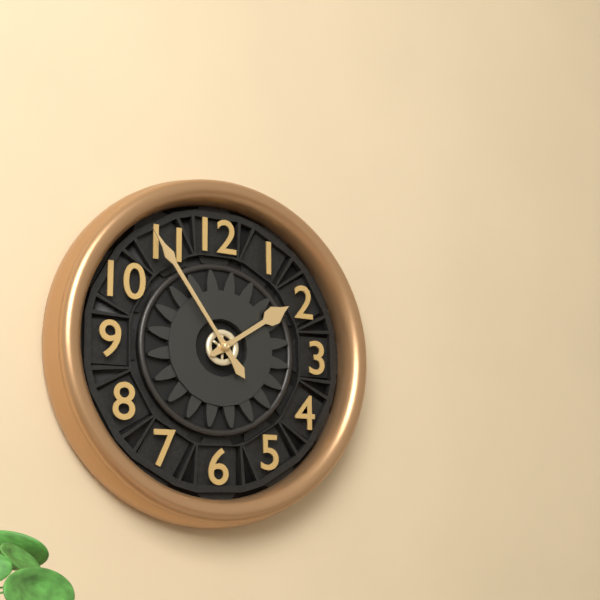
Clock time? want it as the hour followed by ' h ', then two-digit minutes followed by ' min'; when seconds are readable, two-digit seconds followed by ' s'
1 h 54 min
